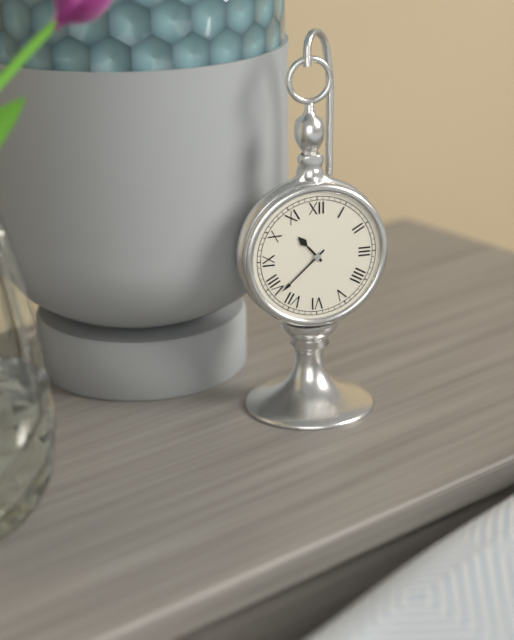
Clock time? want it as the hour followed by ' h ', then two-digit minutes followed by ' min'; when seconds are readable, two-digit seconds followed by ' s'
10 h 38 min
